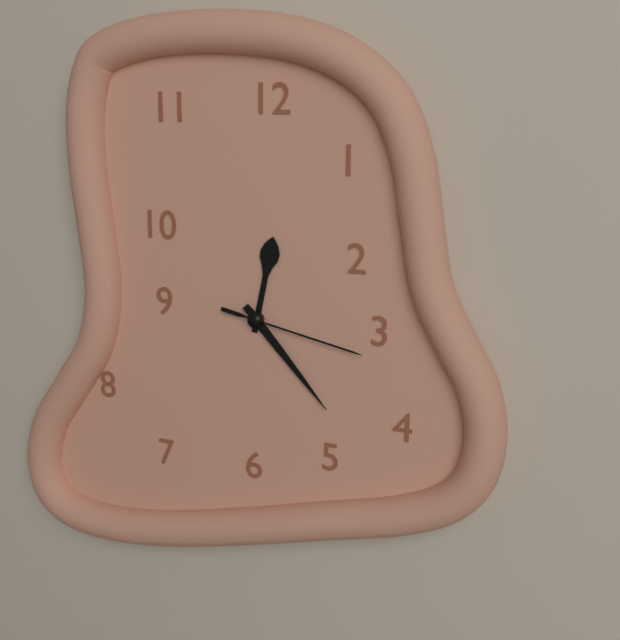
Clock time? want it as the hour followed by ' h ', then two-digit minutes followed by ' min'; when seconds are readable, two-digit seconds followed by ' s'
12 h 23 min 17 s
